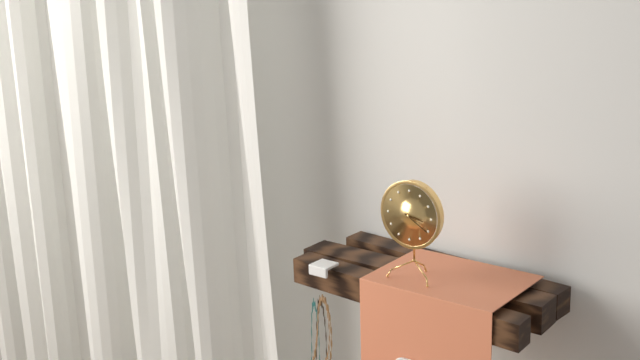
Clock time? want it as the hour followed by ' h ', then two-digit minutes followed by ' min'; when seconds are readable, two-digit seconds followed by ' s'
3 h 20 min
